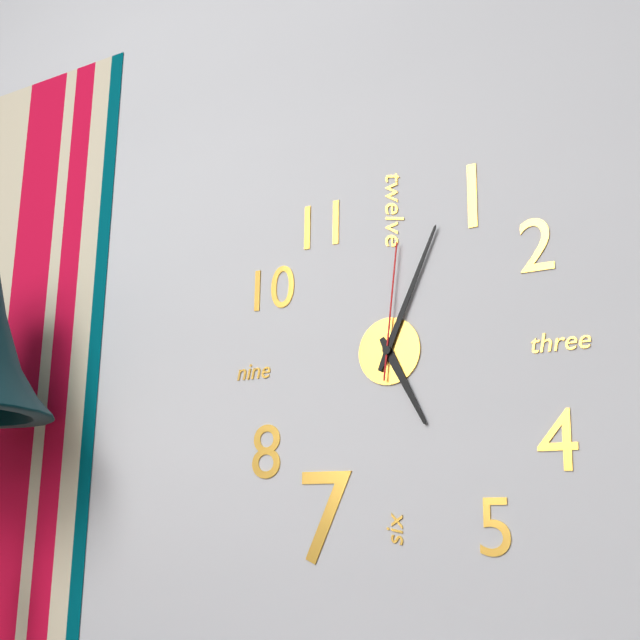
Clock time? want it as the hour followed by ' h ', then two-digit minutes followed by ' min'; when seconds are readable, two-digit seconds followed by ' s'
5 h 04 min 01 s
